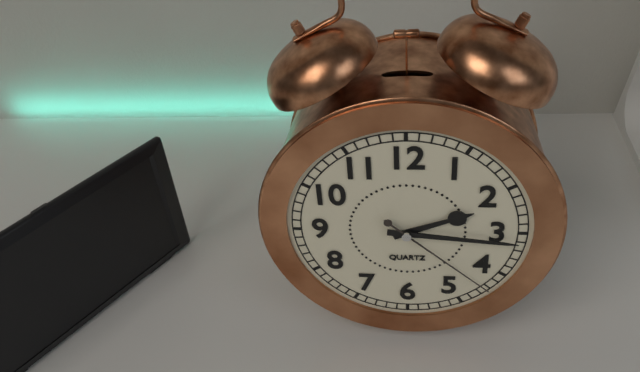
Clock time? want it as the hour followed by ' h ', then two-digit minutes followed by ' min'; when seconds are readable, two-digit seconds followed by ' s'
2 h 16 min 22 s
